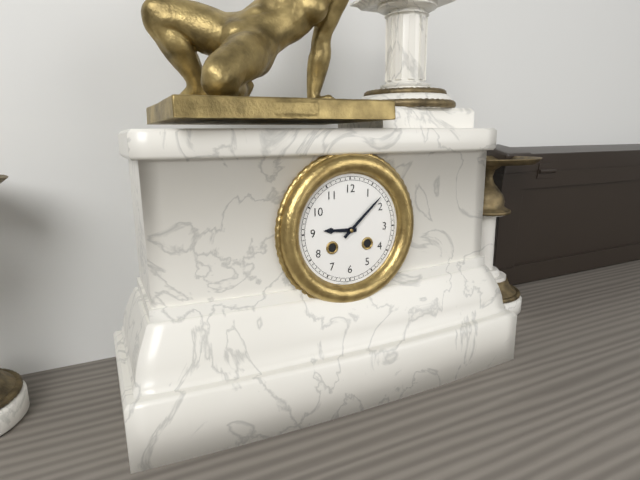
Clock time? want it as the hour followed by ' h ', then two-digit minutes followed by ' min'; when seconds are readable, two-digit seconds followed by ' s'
9 h 08 min
